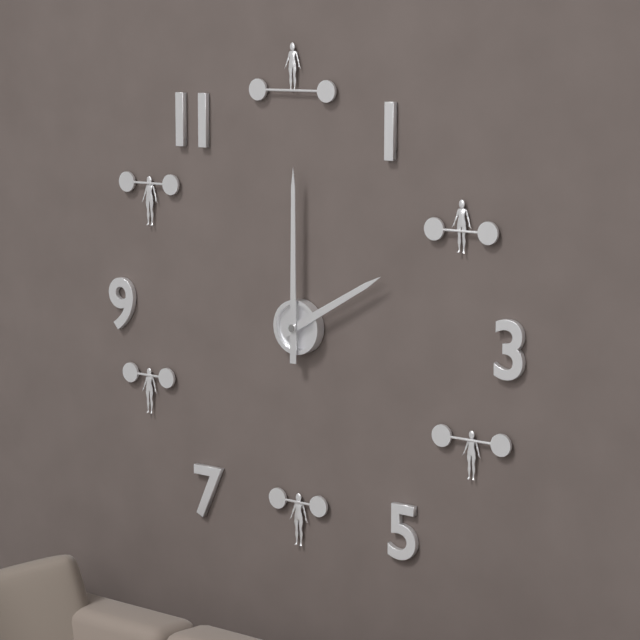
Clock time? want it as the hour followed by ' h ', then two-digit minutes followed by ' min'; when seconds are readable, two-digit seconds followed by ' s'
2 h 00 min
